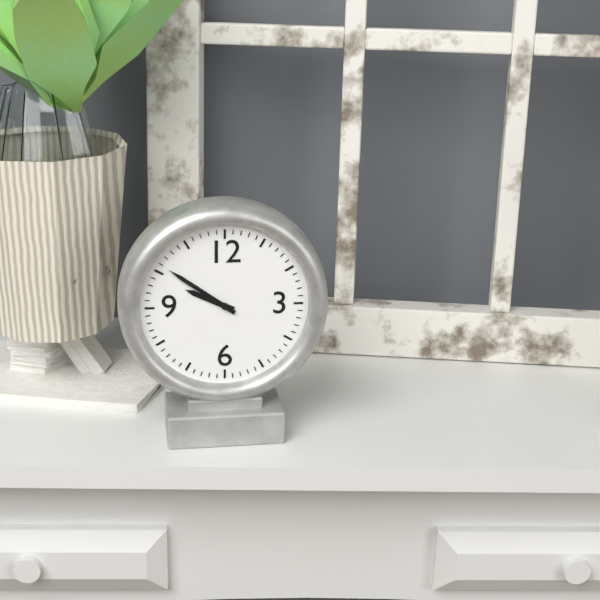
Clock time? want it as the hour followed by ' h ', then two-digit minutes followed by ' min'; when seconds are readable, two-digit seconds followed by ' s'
9 h 51 min
